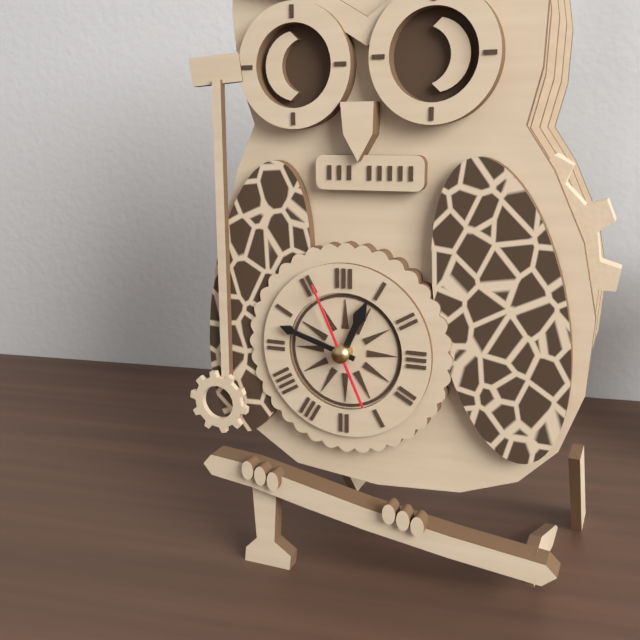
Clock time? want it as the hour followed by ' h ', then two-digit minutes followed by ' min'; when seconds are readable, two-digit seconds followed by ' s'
12 h 48 min 56 s
